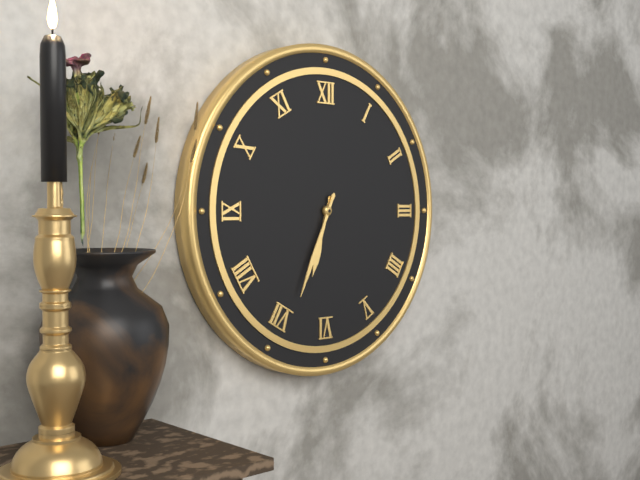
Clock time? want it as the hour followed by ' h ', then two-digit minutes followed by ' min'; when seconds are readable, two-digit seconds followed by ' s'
6 h 34 min
